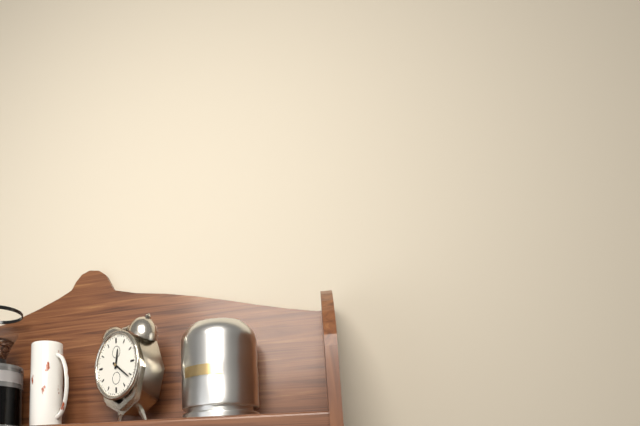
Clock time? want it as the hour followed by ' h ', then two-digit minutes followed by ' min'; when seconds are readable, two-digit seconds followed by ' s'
12 h 21 min
